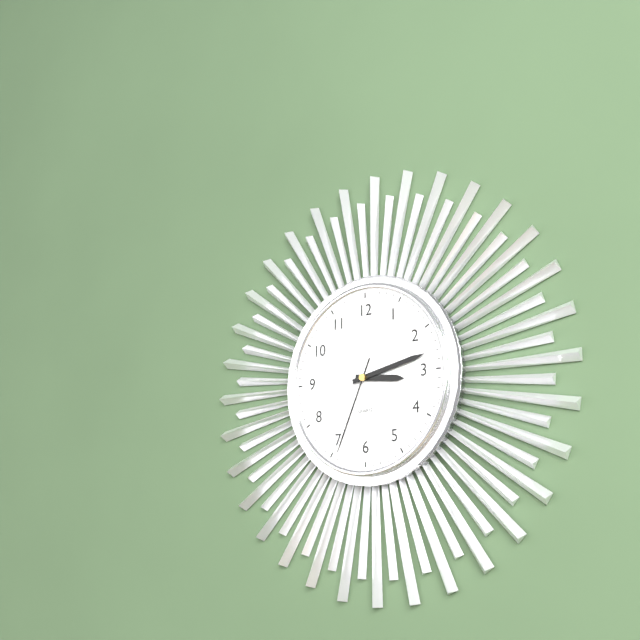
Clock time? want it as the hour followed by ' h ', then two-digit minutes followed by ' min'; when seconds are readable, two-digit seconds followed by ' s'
3 h 13 min 34 s
